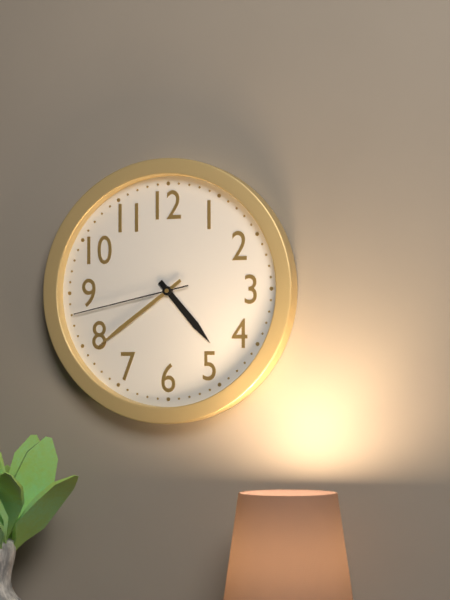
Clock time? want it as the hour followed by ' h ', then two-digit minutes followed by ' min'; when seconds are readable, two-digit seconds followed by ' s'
4 h 39 min 43 s
